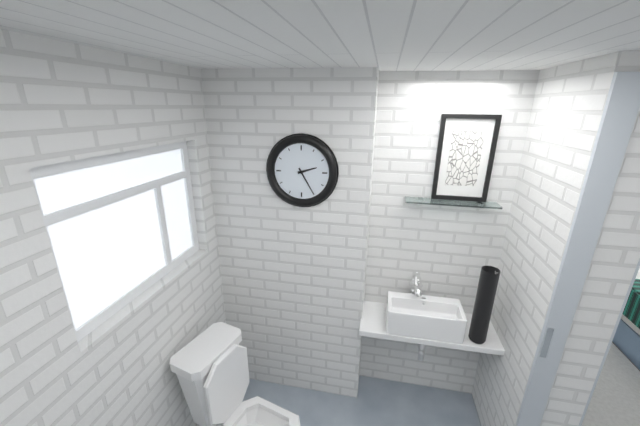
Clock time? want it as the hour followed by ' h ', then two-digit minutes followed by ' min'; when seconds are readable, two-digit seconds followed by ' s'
2 h 25 min
